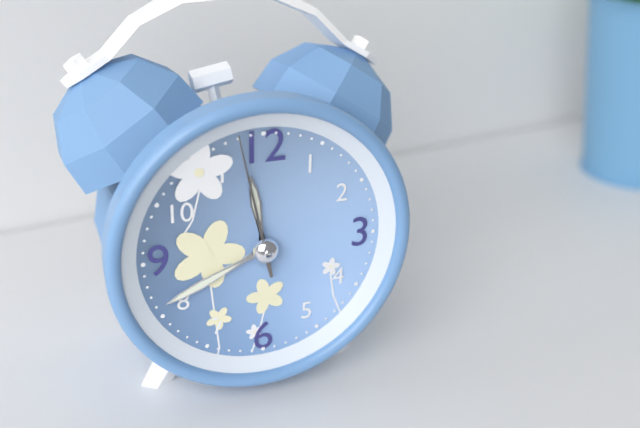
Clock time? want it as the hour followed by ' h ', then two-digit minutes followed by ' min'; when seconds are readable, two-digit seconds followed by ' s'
11 h 41 min 58 s
